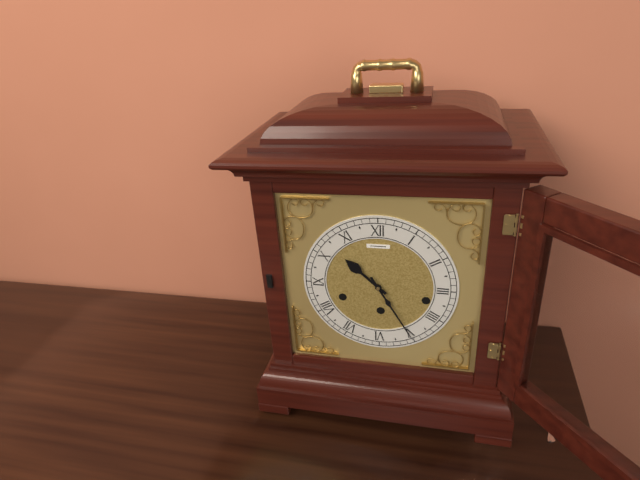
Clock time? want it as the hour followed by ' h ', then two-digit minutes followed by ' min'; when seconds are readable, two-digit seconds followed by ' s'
10 h 25 min
